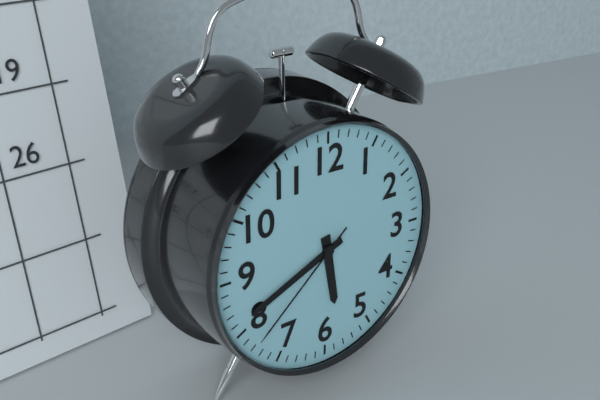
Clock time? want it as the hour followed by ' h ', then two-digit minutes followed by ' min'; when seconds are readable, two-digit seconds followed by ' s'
5 h 41 min 38 s
